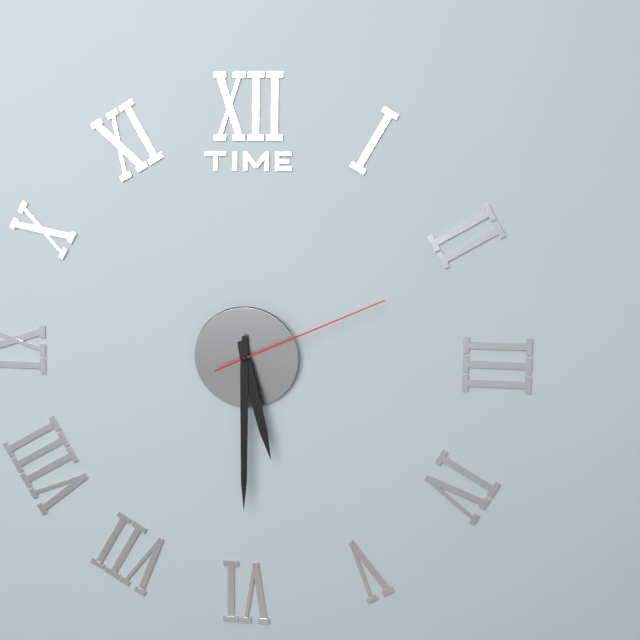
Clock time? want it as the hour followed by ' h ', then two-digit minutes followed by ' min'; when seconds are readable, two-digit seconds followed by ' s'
5 h 30 min 11 s
